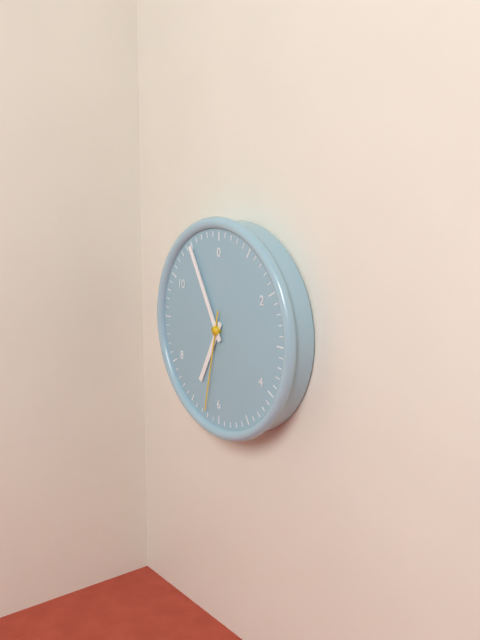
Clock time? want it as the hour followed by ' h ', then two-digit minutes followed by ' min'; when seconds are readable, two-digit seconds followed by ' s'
6 h 55 min 32 s
